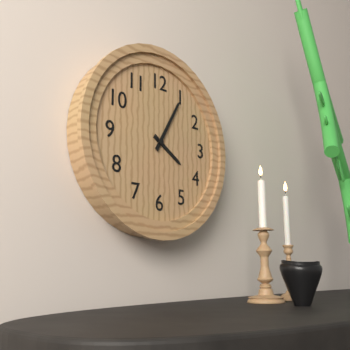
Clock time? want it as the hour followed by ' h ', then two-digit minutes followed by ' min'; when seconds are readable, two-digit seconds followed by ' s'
4 h 05 min
